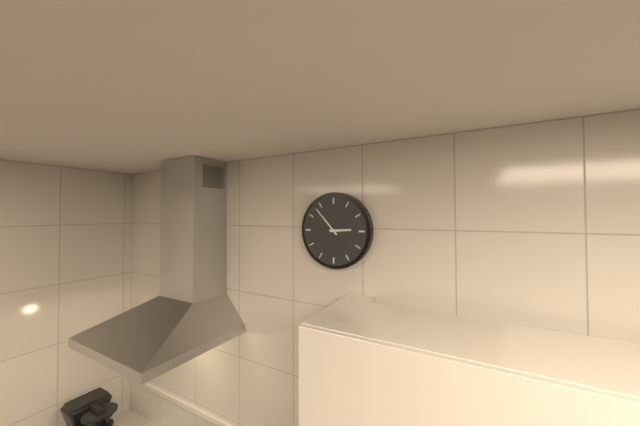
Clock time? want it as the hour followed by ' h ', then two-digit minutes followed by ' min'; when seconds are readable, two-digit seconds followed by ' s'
2 h 53 min
